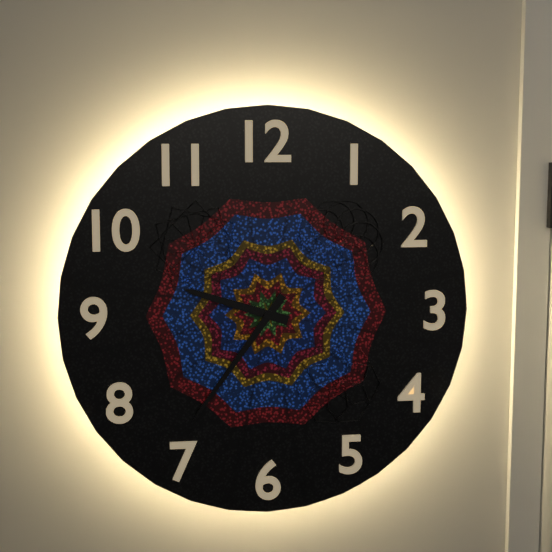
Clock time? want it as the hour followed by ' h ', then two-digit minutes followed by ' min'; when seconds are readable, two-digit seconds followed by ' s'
9 h 36 min
